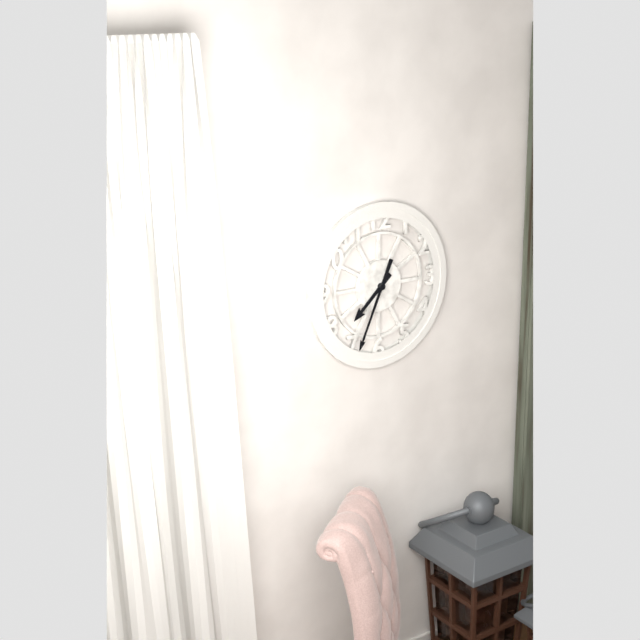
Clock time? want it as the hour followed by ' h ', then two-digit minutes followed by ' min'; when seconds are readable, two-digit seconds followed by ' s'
7 h 34 min
